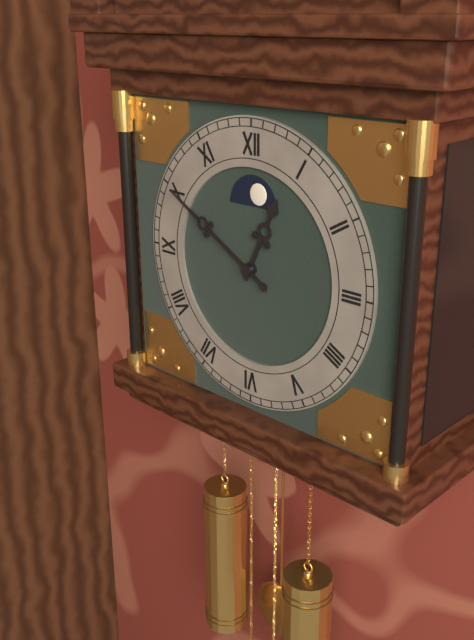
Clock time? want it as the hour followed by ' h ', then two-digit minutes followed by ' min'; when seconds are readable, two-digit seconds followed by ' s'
12 h 50 min
